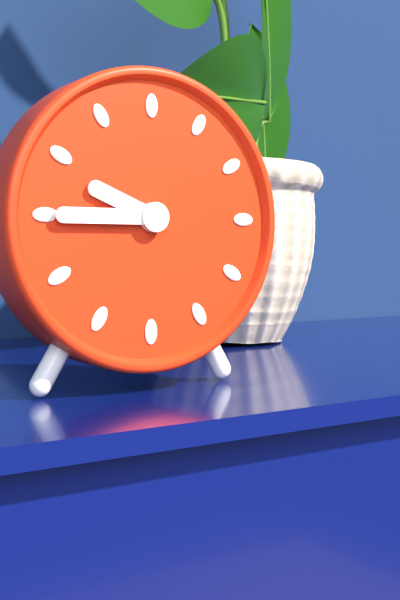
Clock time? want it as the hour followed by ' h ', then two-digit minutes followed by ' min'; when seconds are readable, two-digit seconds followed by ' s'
9 h 45 min
